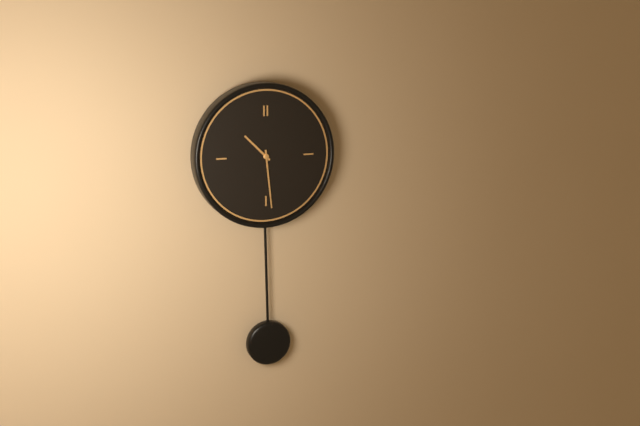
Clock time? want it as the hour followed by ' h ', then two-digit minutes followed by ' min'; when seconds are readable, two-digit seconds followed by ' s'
10 h 29 min
